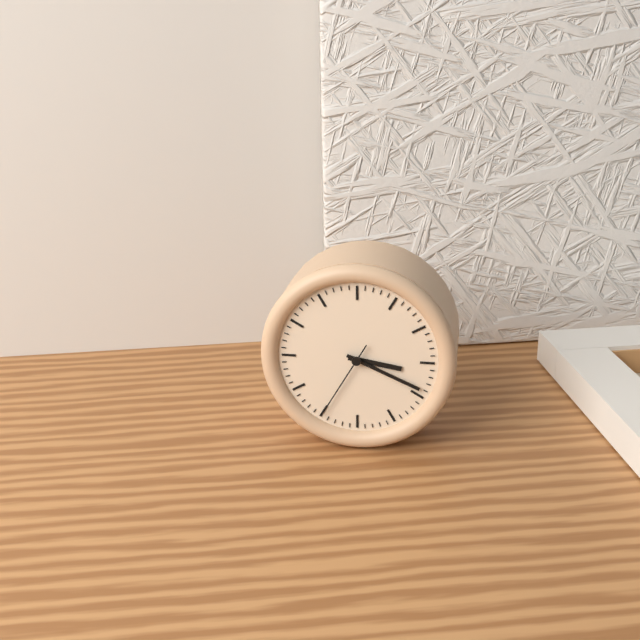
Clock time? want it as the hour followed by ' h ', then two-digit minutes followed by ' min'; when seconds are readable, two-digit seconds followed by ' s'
3 h 19 min 35 s
